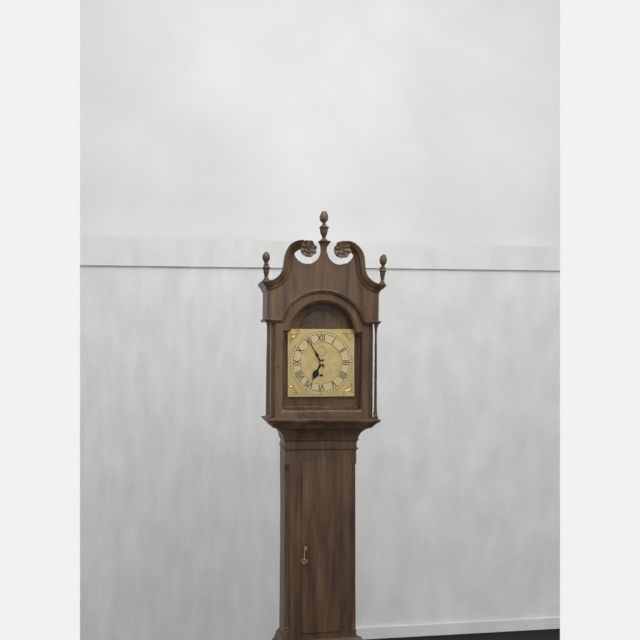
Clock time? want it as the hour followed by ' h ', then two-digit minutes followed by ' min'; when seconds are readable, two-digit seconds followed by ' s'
6 h 55 min
